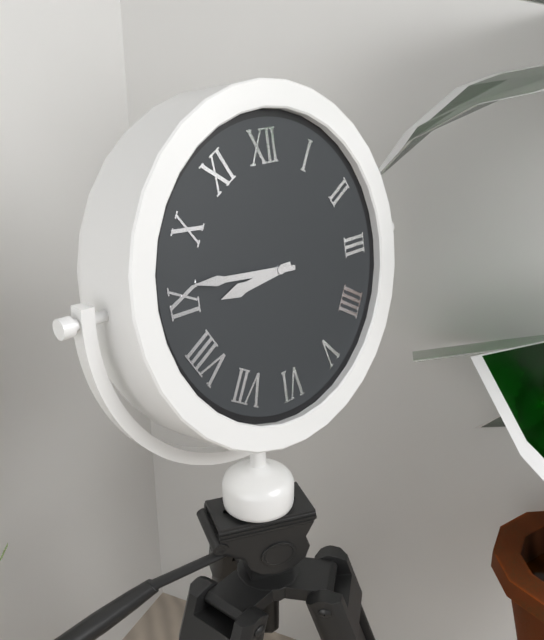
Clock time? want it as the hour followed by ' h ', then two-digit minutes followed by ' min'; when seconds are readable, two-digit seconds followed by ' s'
8 h 46 min
